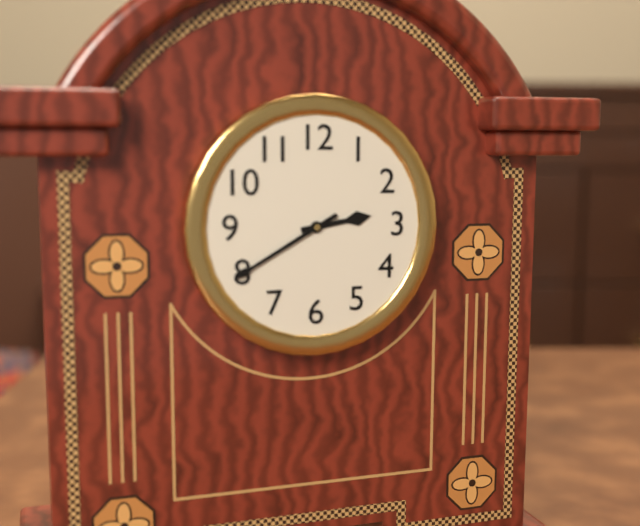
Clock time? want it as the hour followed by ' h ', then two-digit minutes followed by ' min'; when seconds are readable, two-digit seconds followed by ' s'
2 h 40 min
